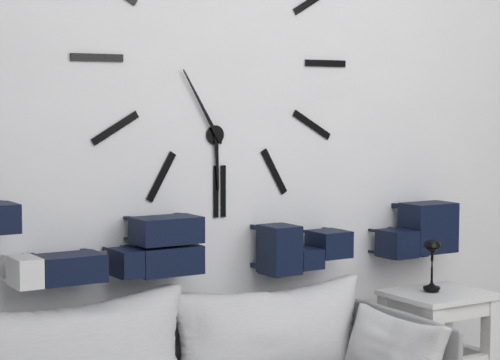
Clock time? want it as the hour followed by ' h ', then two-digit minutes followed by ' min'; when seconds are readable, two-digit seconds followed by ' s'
5 h 55 min
